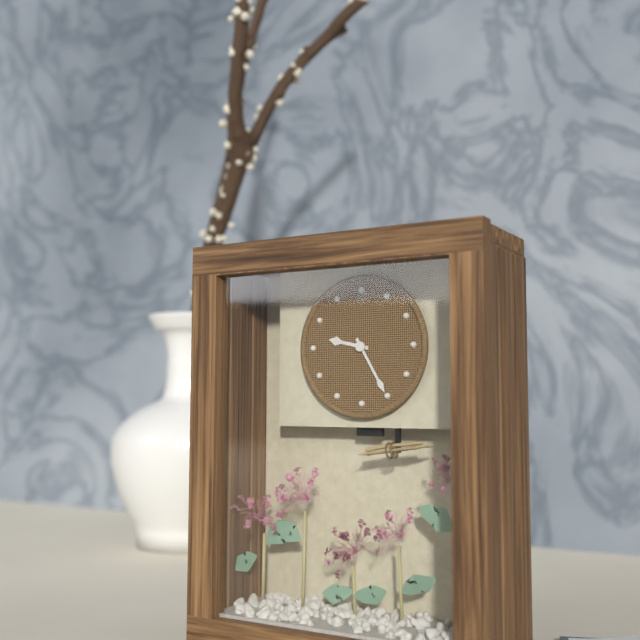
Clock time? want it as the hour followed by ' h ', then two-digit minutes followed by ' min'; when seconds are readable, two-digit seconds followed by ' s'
9 h 25 min
